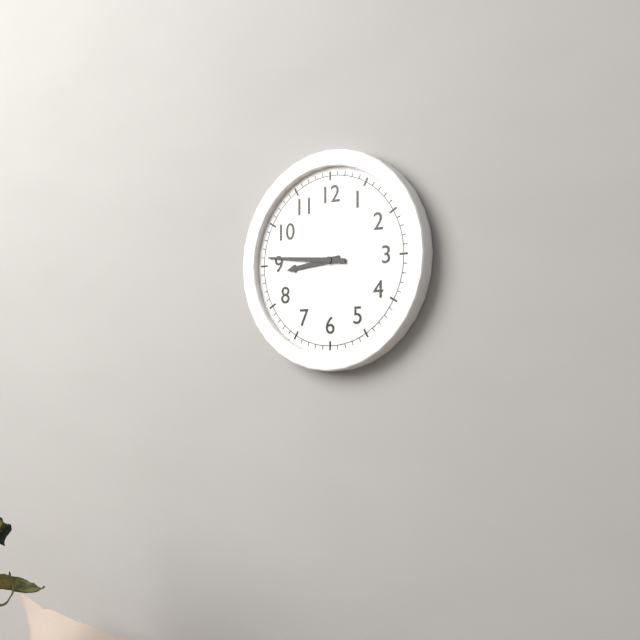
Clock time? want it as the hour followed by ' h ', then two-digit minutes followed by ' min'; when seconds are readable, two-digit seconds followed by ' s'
8 h 46 min
